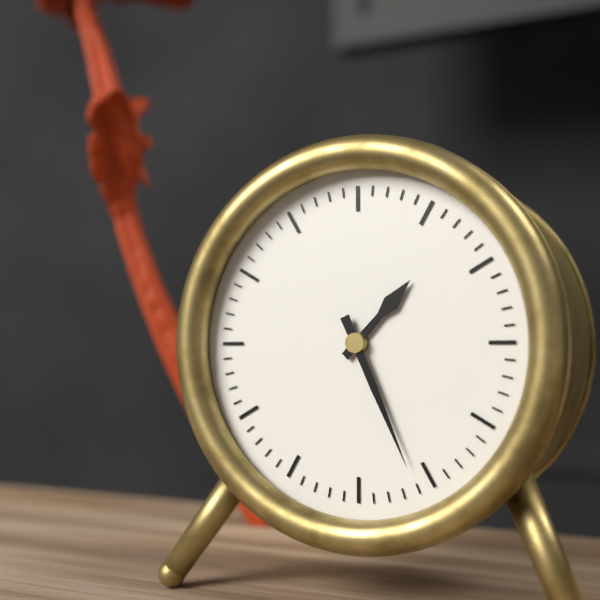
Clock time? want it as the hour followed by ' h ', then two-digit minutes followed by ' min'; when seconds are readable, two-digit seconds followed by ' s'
1 h 26 min
